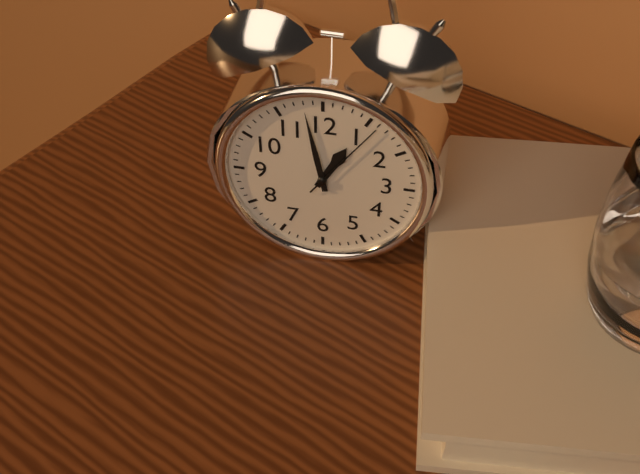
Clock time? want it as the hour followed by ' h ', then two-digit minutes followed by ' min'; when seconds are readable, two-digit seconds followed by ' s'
12 h 58 min 06 s
